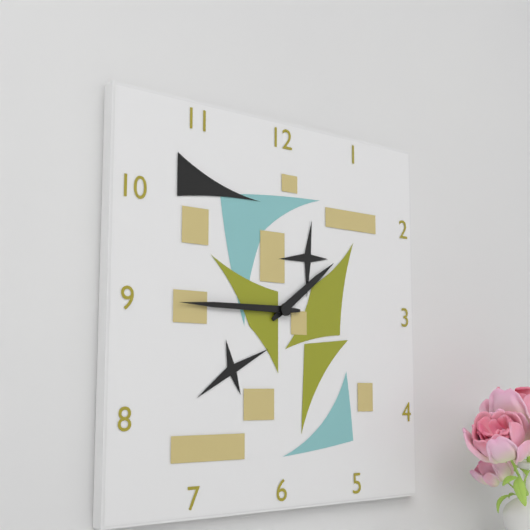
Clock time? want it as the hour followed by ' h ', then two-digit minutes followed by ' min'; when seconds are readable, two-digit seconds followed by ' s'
1 h 45 min
